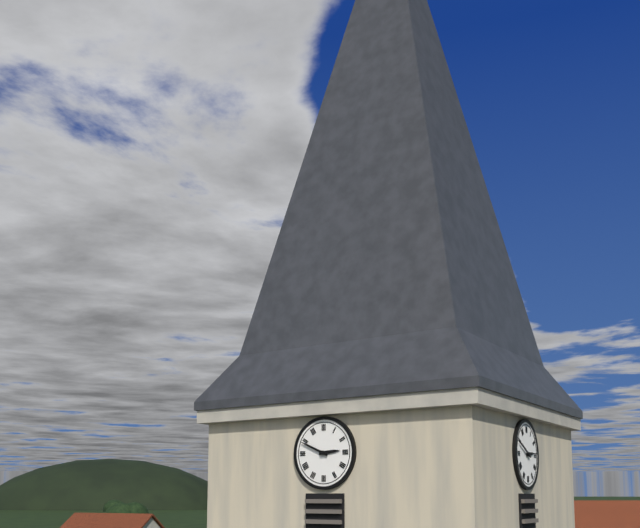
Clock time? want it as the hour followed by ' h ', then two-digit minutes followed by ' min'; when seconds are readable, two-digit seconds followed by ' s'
2 h 49 min
